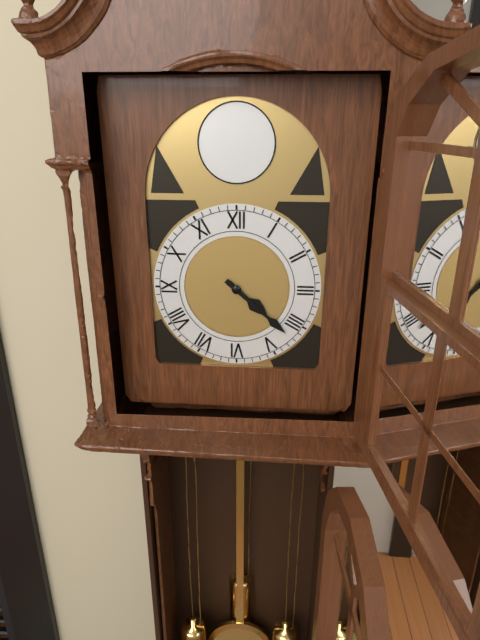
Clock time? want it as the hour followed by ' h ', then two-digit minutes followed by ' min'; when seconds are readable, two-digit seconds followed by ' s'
4 h 22 min
